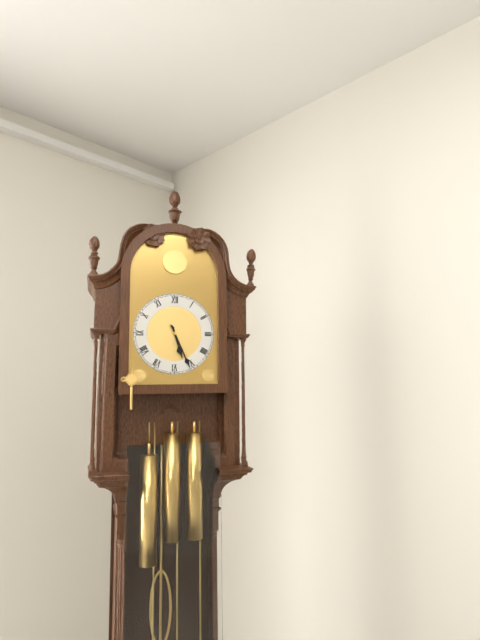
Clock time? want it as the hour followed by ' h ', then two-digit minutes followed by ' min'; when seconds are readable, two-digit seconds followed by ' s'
5 h 26 min
